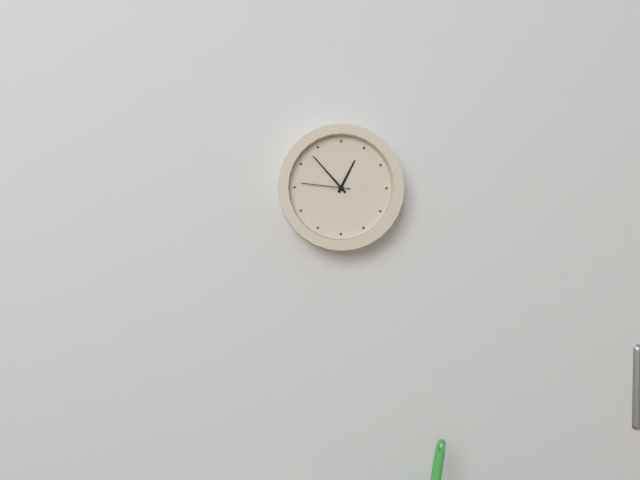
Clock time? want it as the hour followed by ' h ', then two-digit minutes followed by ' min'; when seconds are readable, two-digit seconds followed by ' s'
12 h 53 min 46 s
